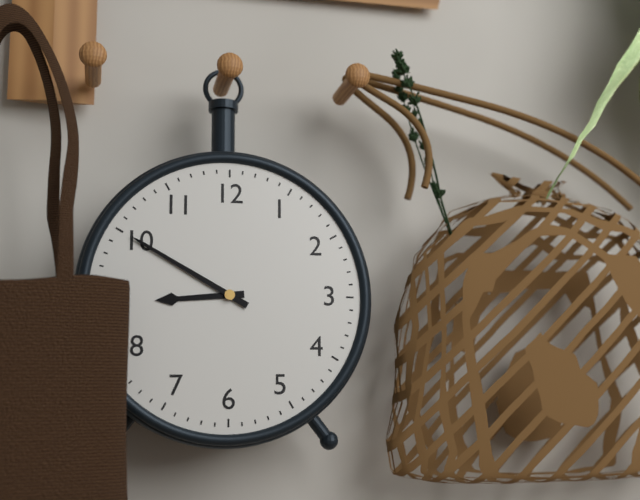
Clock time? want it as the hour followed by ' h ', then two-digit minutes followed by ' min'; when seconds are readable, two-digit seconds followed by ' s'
8 h 50 min
